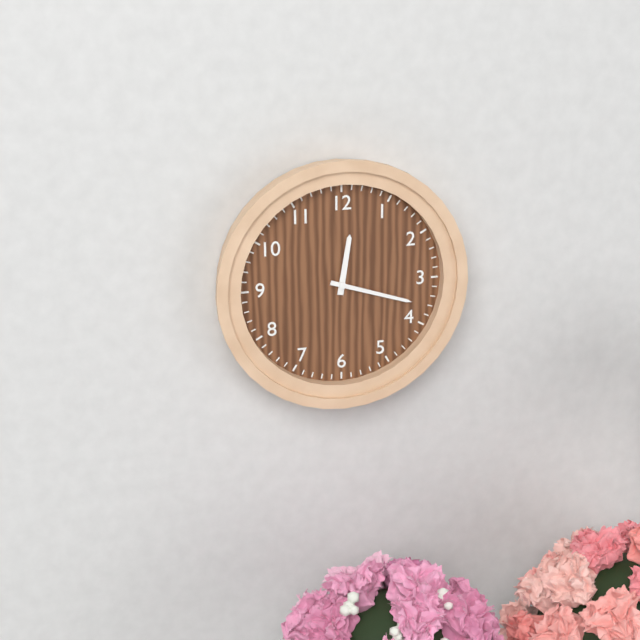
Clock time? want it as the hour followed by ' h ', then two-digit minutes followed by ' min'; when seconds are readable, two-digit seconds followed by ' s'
12 h 18 min
